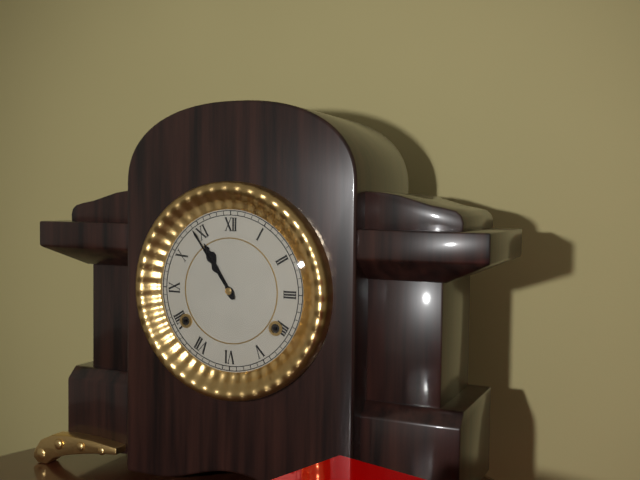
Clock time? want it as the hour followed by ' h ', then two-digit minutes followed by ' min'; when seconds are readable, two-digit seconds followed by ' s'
10 h 54 min
